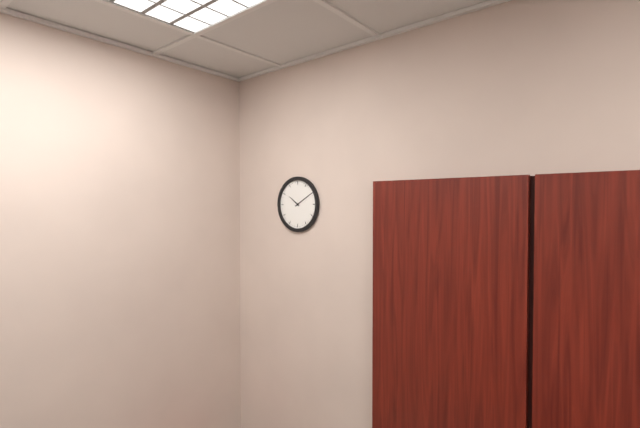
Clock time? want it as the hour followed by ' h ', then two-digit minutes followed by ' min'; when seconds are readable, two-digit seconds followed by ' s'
10 h 10 min
